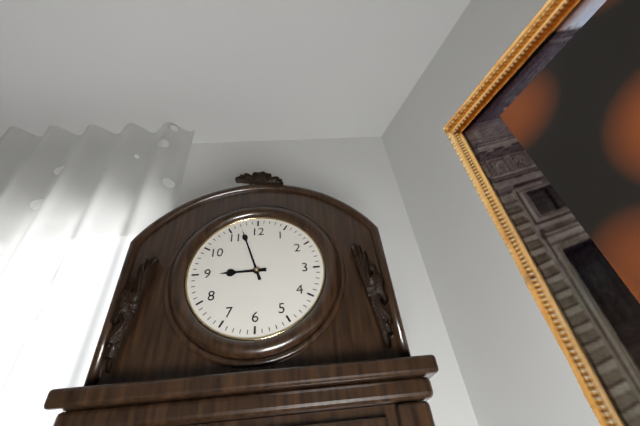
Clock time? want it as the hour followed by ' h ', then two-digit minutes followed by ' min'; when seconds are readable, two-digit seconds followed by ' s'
8 h 57 min
